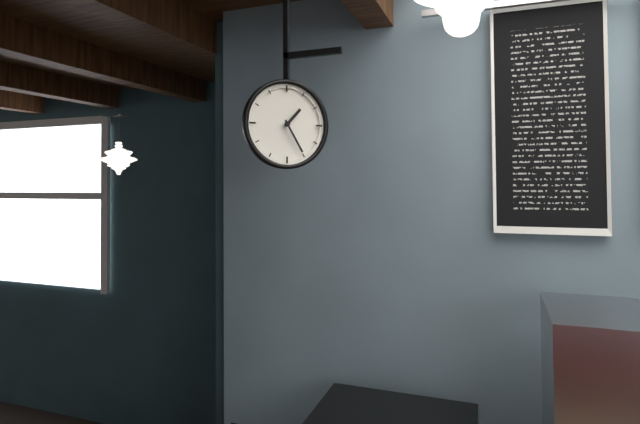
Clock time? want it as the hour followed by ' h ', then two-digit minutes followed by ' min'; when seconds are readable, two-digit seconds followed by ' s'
1 h 25 min
